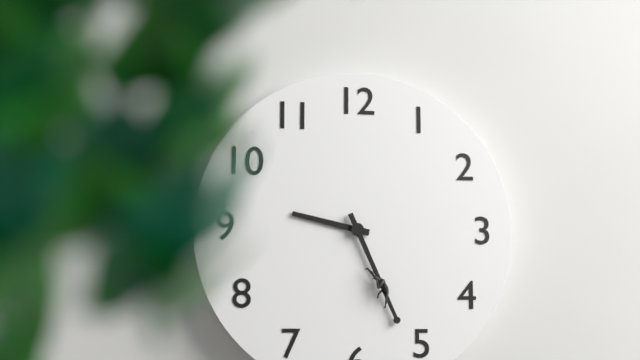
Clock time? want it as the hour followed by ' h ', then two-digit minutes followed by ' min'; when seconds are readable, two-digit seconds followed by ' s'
9 h 26 min
